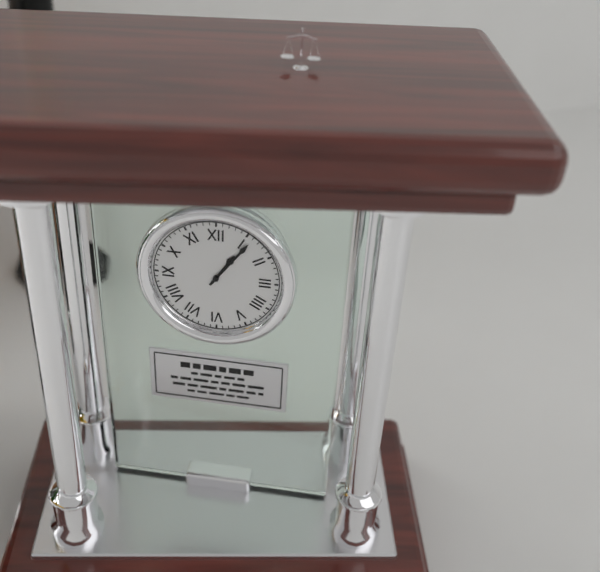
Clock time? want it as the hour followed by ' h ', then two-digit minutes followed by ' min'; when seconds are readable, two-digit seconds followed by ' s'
1 h 06 min
